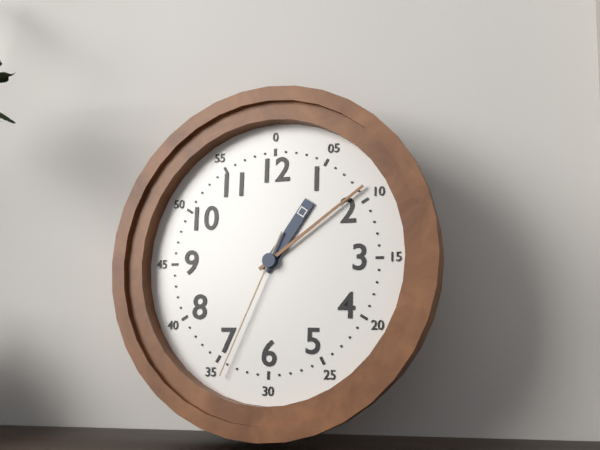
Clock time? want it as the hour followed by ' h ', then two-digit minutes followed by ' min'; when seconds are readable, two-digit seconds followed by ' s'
1 h 09 min 34 s
